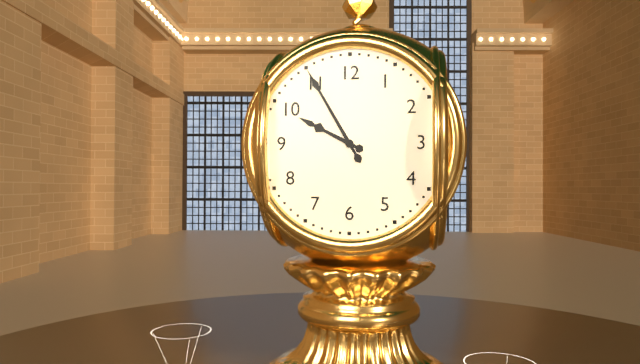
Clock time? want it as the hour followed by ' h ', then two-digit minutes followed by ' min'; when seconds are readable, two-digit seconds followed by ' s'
9 h 55 min
